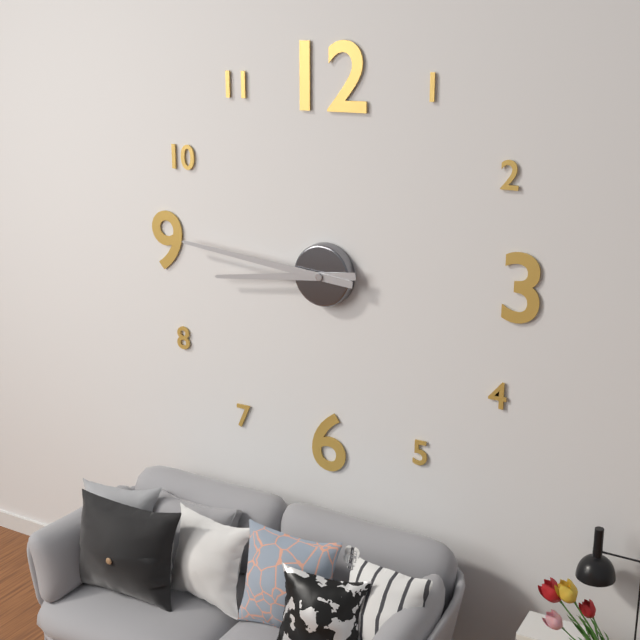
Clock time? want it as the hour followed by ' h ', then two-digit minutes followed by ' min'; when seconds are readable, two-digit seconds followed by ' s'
8 h 46 min
